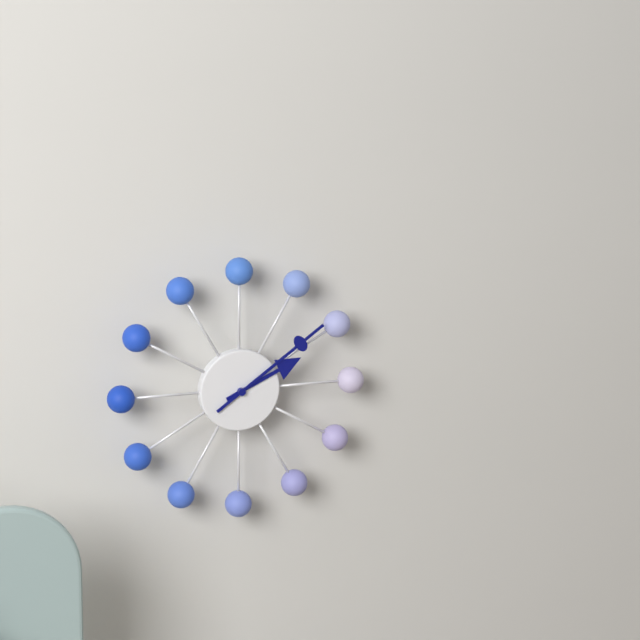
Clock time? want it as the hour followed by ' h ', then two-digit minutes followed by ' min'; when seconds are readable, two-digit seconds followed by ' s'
2 h 09 min
